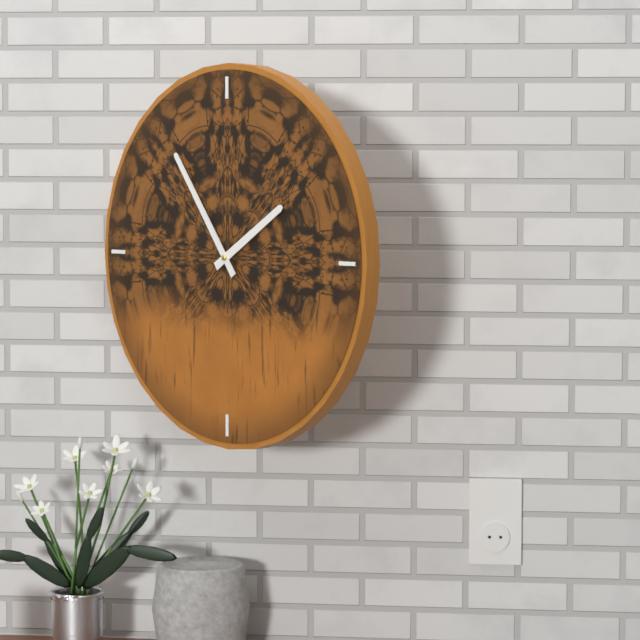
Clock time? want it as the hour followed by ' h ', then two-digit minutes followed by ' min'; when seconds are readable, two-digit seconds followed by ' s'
1 h 54 min
